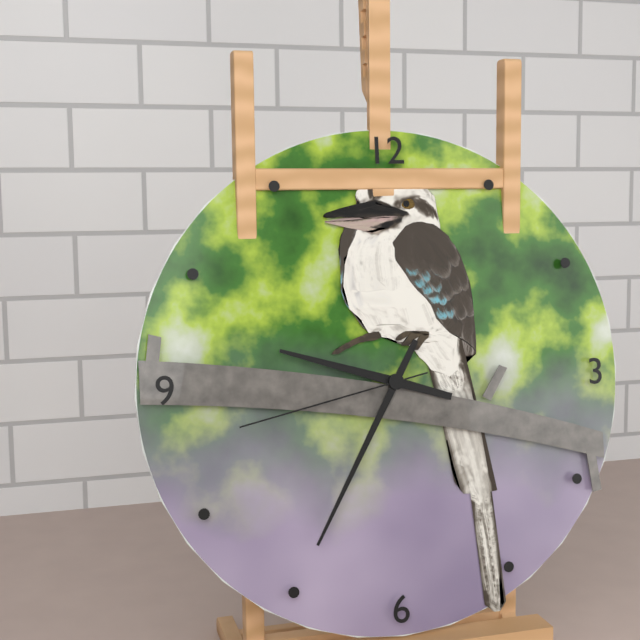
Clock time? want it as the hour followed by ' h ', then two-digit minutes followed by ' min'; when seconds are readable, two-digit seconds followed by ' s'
9 h 35 min 43 s
